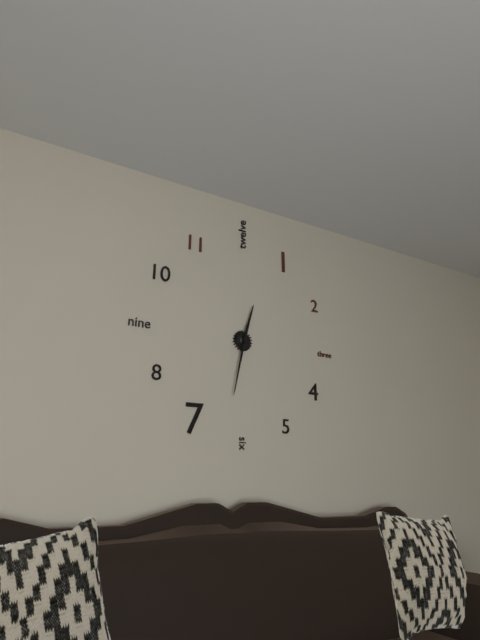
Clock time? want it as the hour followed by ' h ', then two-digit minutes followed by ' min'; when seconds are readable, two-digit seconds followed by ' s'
12 h 32 min
